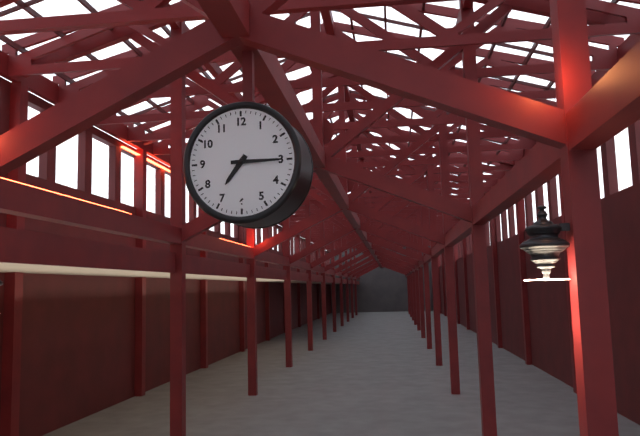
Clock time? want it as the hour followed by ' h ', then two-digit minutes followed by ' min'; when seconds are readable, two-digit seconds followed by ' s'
7 h 15 min
